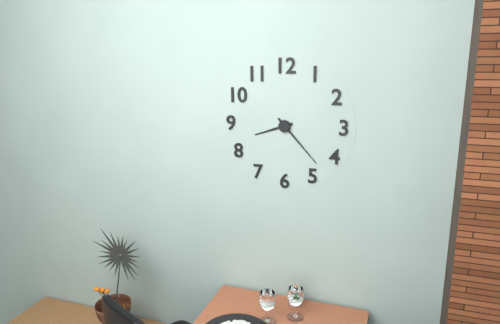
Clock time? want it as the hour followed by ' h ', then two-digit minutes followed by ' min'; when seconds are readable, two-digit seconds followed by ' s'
8 h 23 min
